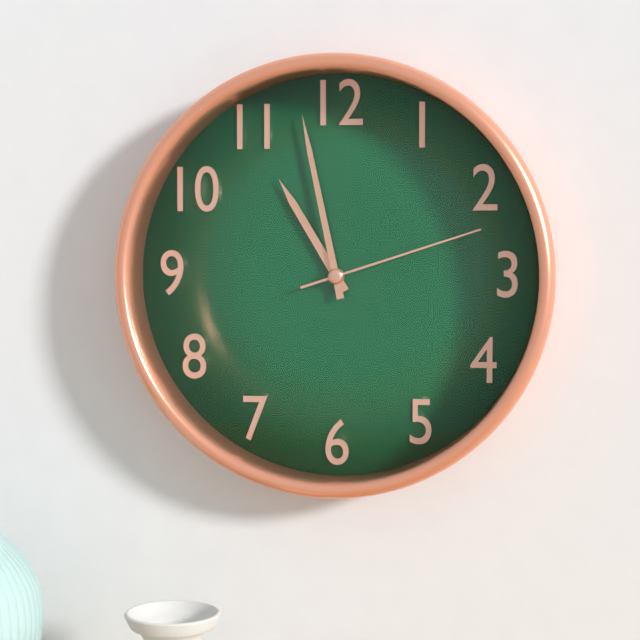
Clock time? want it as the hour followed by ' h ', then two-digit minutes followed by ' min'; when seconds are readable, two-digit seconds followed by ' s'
10 h 58 min 12 s
